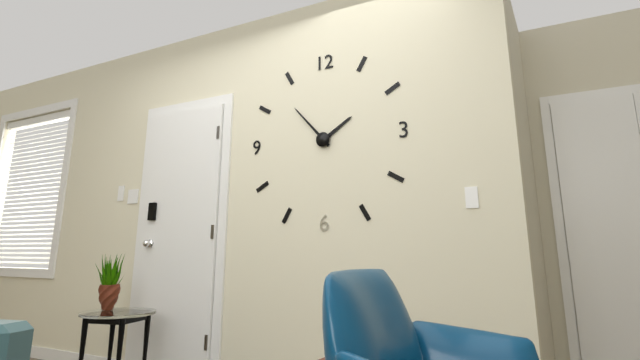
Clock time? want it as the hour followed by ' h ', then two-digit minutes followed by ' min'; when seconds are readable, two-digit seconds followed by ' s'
1 h 53 min
